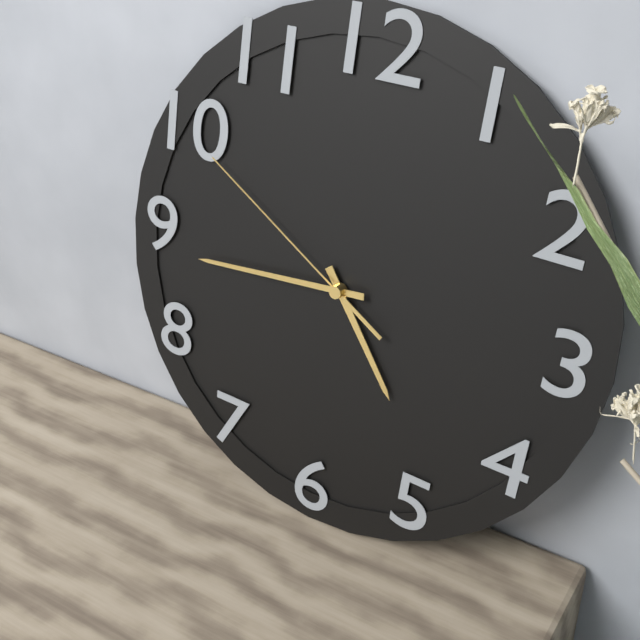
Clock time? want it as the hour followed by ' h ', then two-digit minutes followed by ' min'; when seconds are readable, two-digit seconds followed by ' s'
4 h 44 min 50 s
